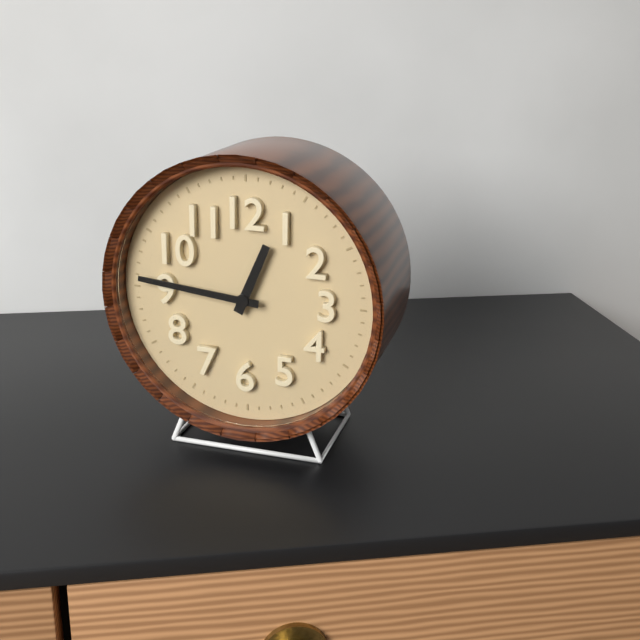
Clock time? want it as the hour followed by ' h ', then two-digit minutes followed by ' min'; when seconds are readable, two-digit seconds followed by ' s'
12 h 46 min
